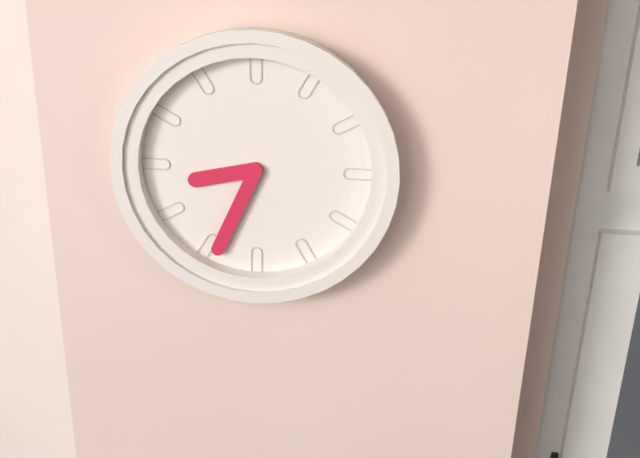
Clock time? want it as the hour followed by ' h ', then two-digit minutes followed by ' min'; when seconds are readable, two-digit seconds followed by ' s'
8 h 34 min
